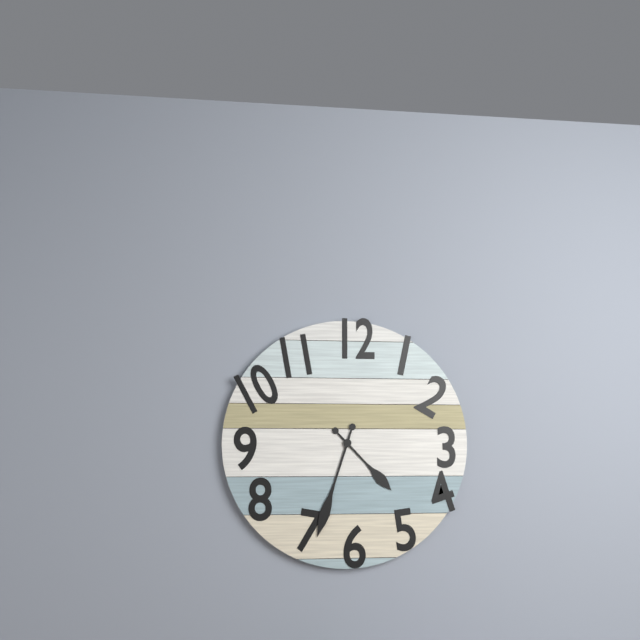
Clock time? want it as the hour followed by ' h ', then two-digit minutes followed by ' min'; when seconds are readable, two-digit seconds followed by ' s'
4 h 33 min
